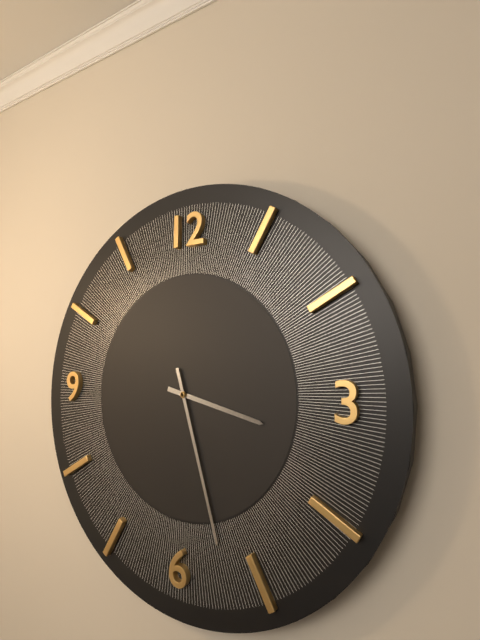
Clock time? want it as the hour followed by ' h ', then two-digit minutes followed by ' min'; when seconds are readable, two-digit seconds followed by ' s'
3 h 27 min
